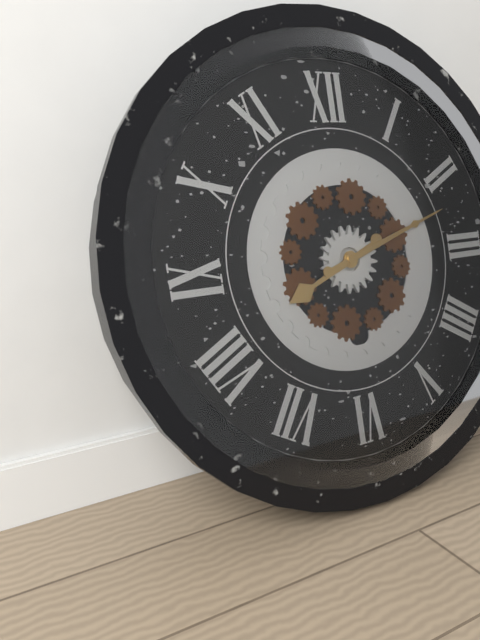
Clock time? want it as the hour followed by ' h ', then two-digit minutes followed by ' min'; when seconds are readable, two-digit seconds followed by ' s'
8 h 12 min
